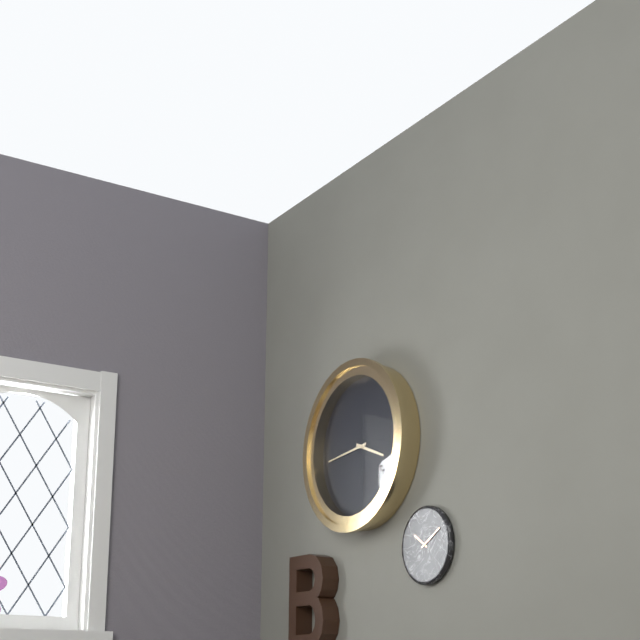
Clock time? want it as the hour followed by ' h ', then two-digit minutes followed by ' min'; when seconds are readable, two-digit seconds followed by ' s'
3 h 44 min
